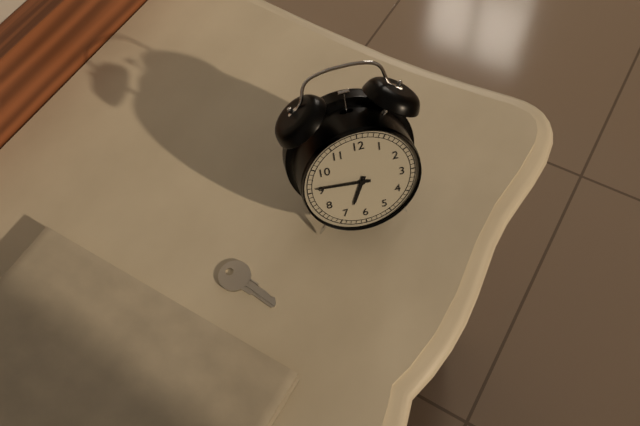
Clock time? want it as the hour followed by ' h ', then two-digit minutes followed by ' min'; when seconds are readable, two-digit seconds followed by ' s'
6 h 46 min
